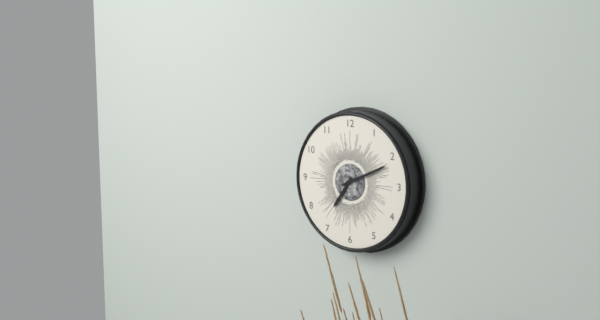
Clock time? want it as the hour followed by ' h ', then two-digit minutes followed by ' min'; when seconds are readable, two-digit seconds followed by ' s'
7 h 11 min
